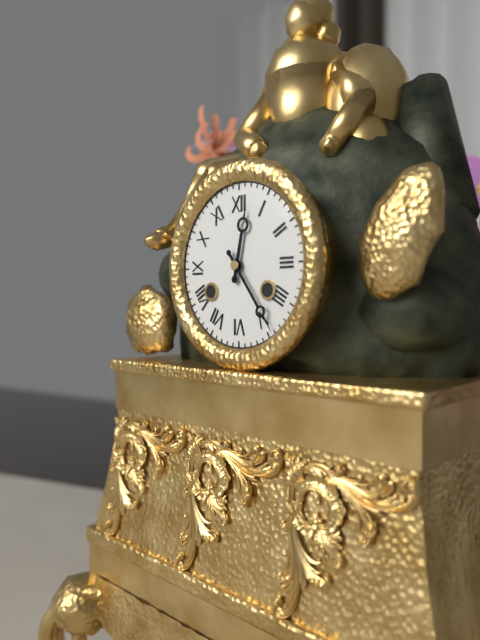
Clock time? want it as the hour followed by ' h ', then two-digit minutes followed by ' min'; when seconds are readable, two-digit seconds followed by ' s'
12 h 24 min
